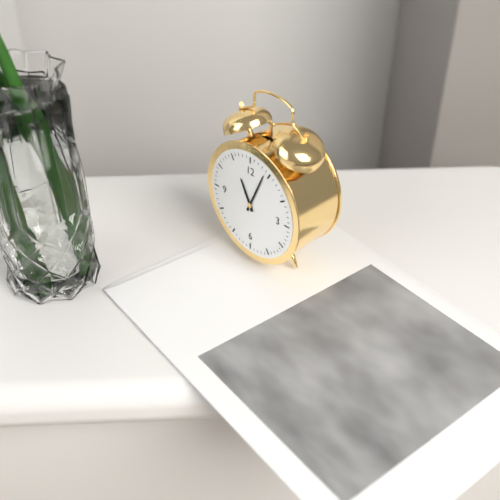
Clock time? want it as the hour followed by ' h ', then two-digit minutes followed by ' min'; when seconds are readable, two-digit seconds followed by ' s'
11 h 04 min
